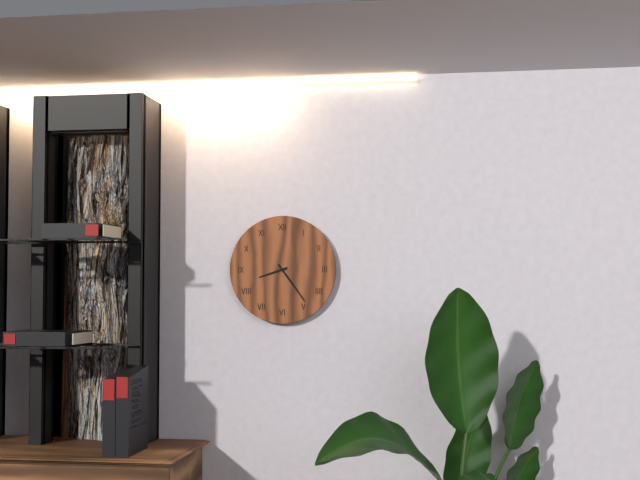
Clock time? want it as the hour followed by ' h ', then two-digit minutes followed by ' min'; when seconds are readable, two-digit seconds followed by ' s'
8 h 24 min
